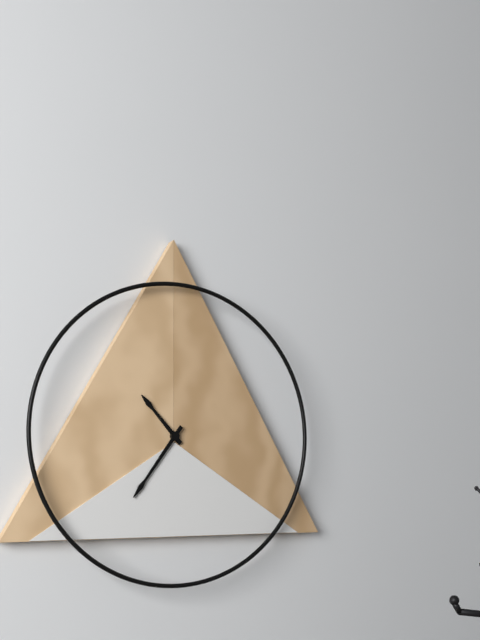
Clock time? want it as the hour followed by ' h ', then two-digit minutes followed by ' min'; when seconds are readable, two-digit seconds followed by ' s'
10 h 36 min
